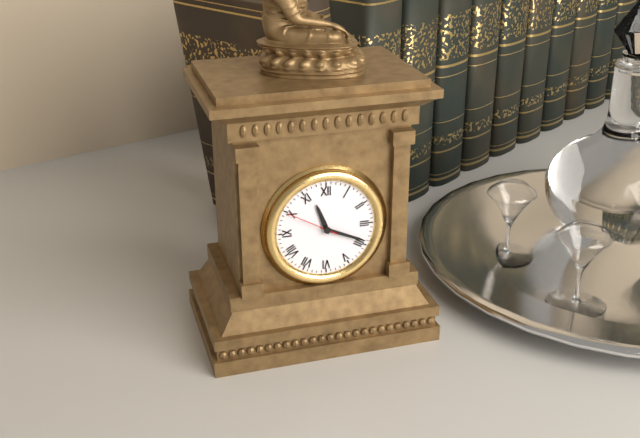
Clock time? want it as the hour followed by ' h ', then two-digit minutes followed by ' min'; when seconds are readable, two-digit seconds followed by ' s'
11 h 19 min 50 s
